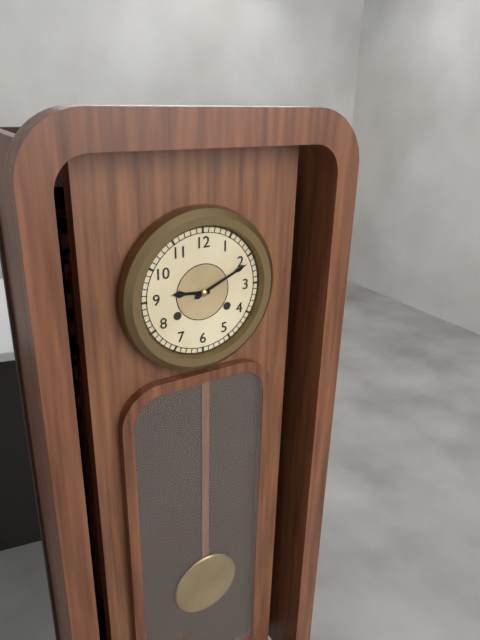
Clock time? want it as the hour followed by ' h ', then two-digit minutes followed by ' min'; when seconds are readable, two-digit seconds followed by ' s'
9 h 11 min
